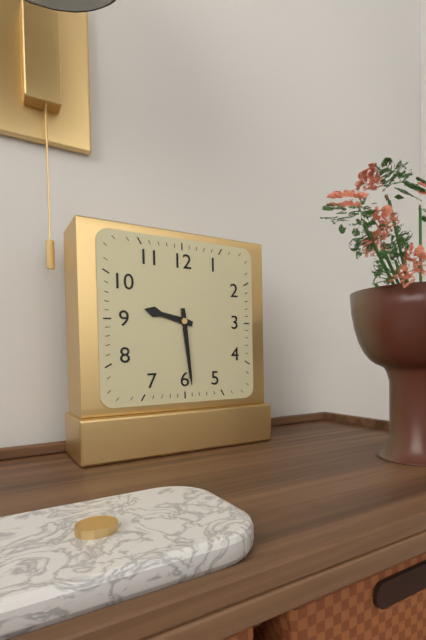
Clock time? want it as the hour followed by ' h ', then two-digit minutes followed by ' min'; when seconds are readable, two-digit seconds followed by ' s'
9 h 29 min
